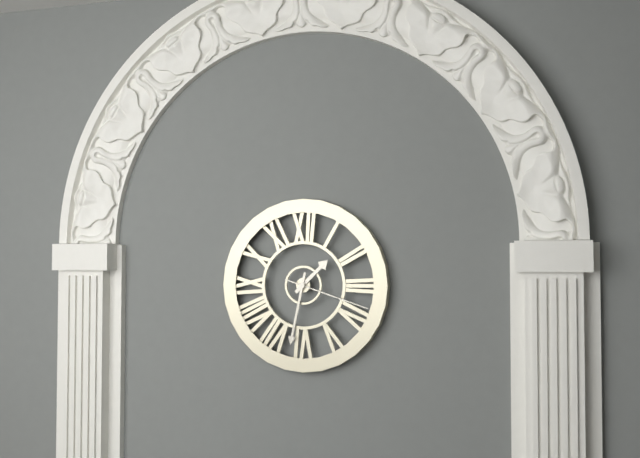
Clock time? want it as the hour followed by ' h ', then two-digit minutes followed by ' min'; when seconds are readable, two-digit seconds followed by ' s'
1 h 32 min 18 s
